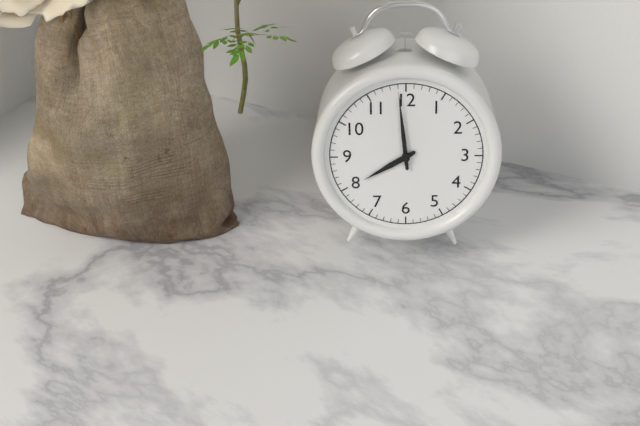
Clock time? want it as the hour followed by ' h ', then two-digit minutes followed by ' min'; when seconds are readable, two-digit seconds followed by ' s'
7 h 59 min
